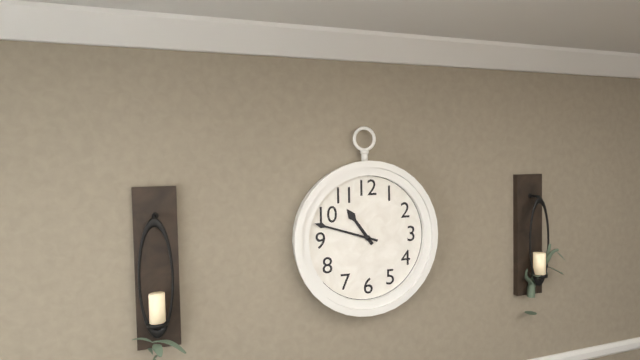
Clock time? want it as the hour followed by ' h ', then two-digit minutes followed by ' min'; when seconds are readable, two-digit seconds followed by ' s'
10 h 48 min
